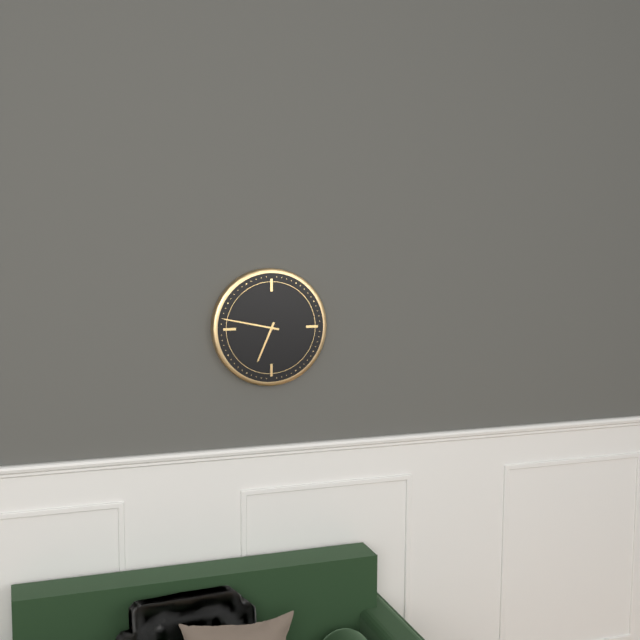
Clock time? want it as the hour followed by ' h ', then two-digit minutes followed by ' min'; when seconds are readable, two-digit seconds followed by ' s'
6 h 47 min
